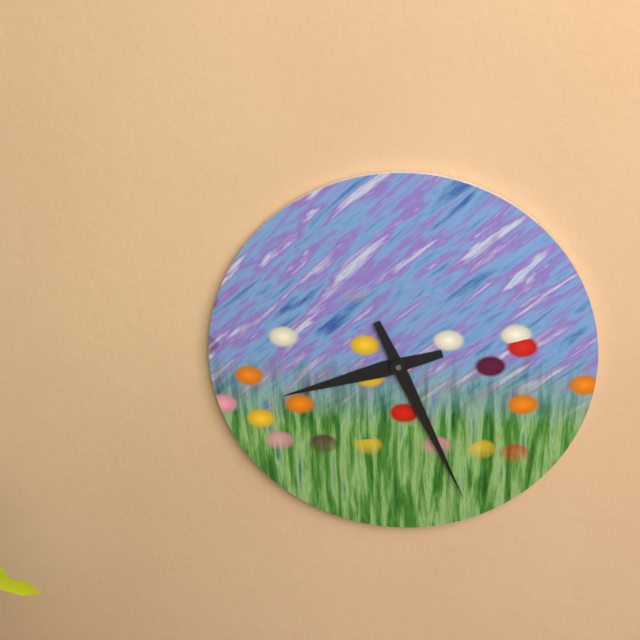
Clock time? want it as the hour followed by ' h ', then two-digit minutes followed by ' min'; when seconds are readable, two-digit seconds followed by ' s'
8 h 26 min
